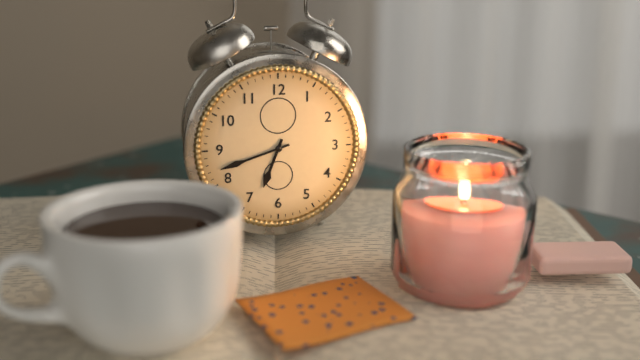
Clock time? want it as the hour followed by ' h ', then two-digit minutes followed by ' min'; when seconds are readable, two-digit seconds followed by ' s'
6 h 42 min
